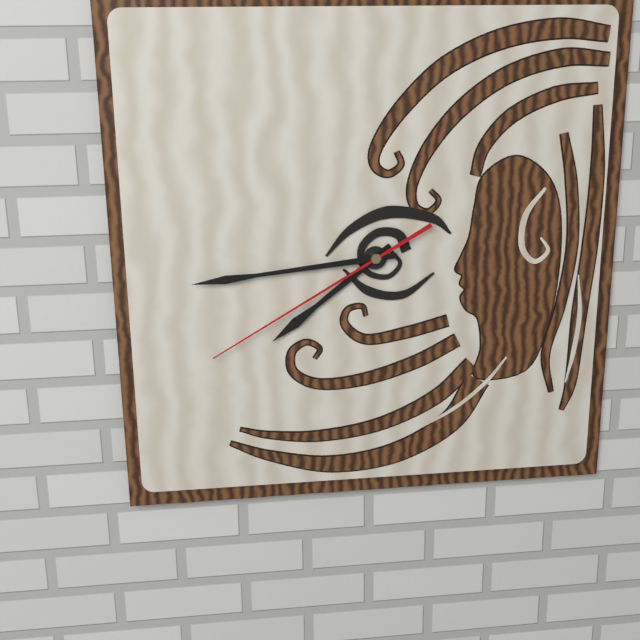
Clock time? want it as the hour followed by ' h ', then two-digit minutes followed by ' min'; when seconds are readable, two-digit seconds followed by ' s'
7 h 44 min 40 s
